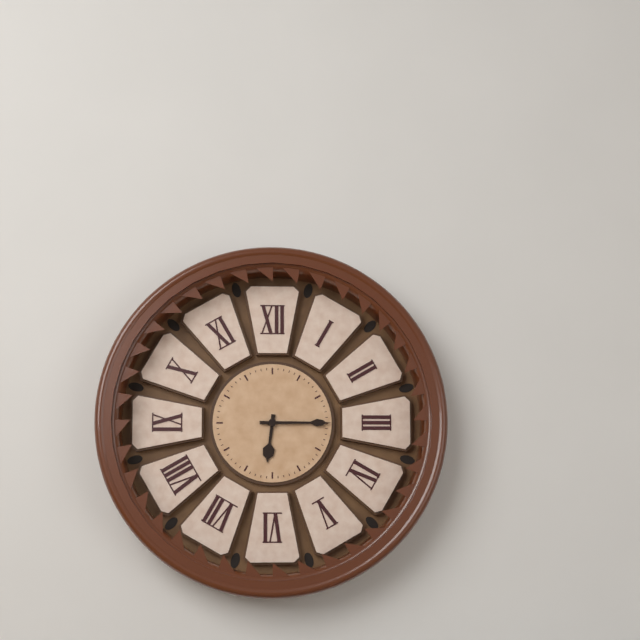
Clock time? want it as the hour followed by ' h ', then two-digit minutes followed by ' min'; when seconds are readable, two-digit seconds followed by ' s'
6 h 15 min
